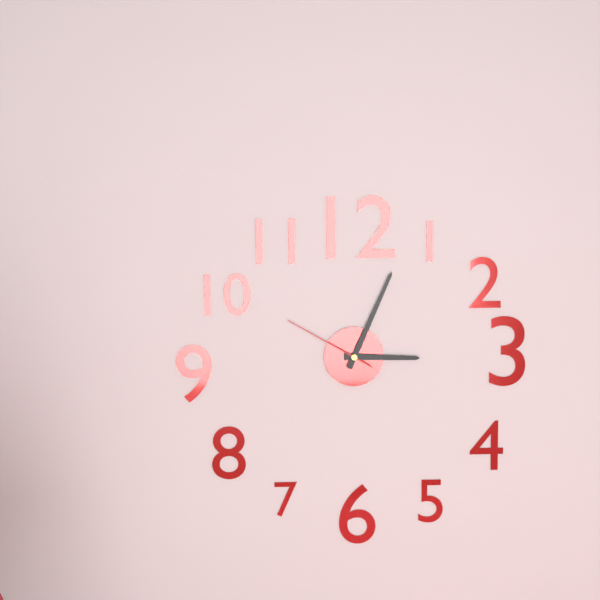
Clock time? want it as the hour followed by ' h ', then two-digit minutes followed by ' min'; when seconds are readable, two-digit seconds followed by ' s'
3 h 04 min 50 s
